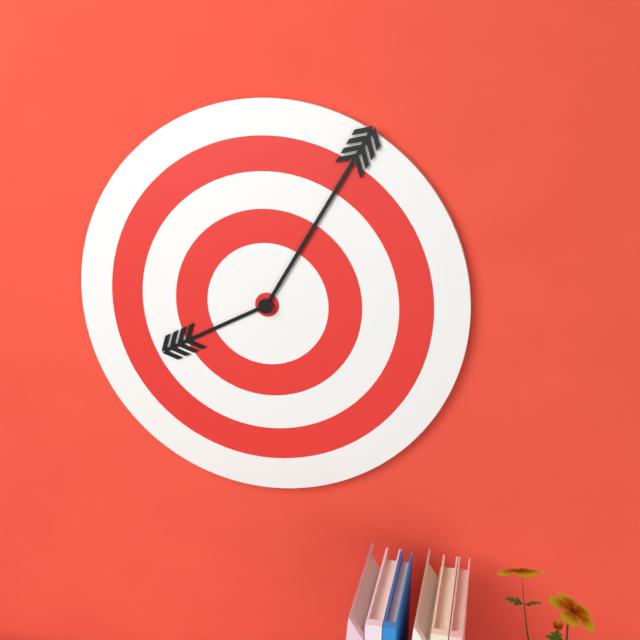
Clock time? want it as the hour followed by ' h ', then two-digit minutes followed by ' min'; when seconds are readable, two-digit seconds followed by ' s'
8 h 05 min
